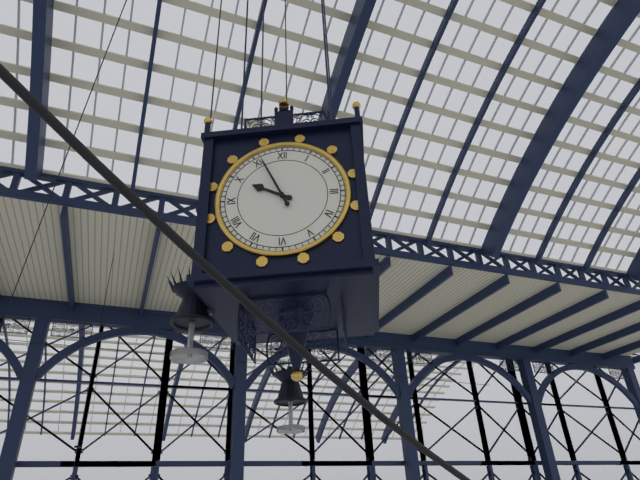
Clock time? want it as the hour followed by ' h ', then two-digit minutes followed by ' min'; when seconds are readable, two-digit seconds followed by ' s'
9 h 56 min
